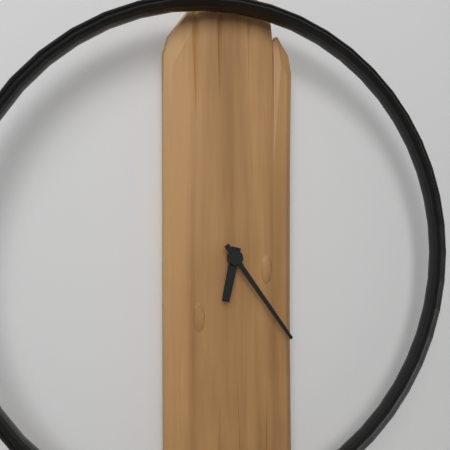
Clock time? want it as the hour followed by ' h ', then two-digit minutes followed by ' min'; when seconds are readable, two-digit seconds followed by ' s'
6 h 24 min
